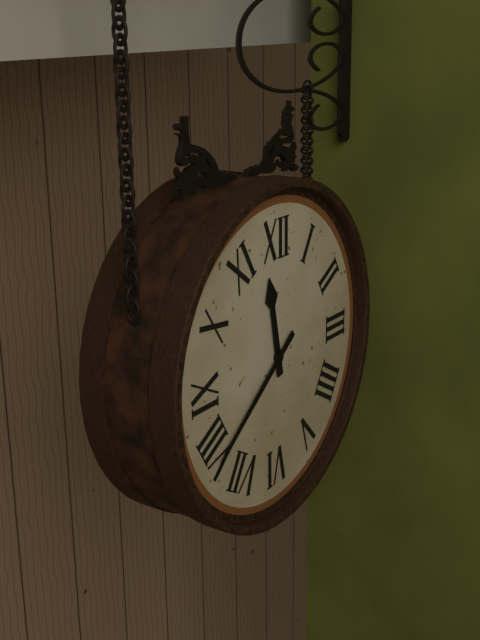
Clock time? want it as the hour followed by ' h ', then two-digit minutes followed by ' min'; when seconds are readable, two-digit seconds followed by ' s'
11 h 39 min
